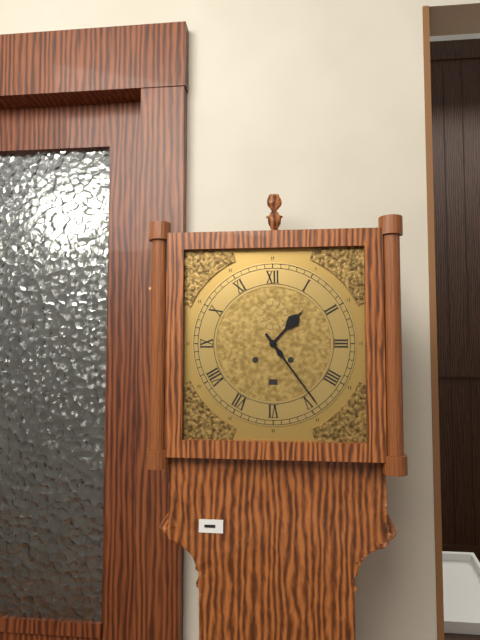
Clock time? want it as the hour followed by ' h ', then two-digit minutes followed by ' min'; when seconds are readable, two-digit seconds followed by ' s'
1 h 24 min
